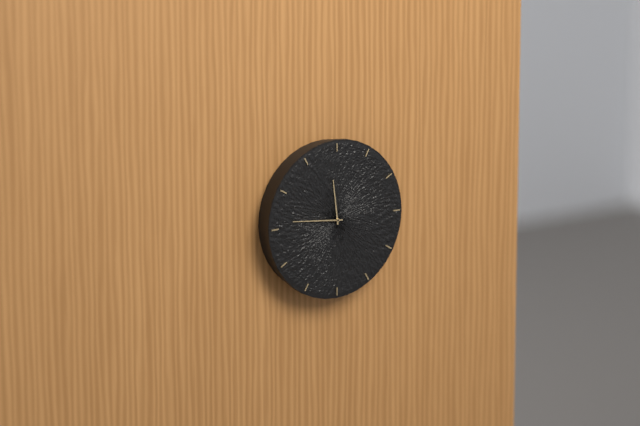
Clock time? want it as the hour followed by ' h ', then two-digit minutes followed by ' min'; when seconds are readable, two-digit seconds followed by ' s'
11 h 46 min
